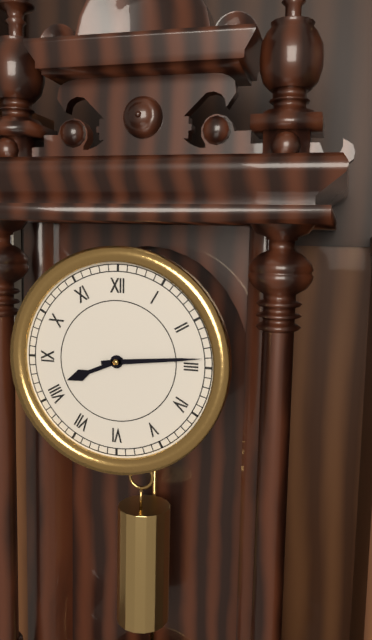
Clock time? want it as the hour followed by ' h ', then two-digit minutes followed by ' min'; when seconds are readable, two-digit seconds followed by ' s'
8 h 14 min
